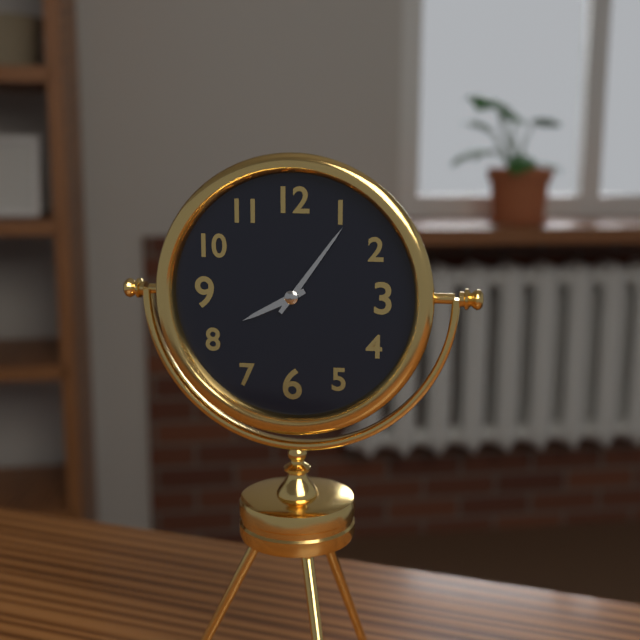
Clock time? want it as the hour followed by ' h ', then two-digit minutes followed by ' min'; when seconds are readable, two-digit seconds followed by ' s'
8 h 06 min
